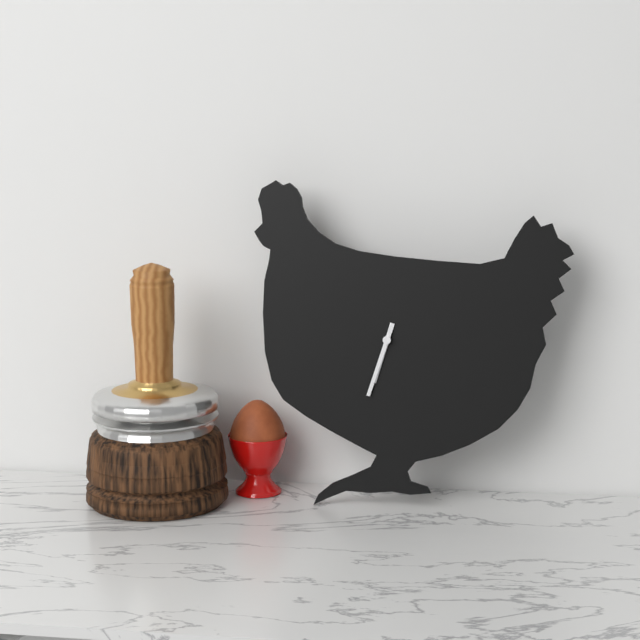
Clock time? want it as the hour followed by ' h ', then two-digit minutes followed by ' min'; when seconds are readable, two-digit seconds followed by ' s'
6 h 33 min
